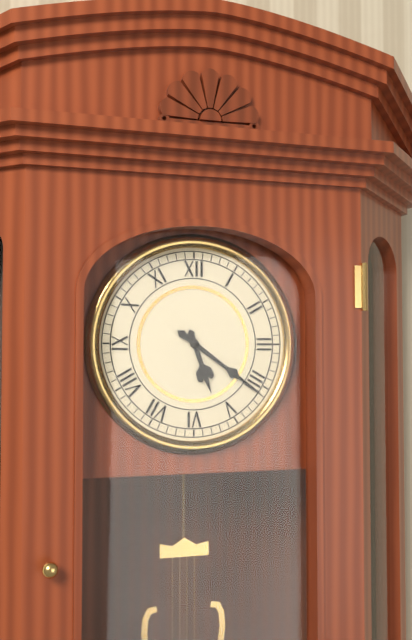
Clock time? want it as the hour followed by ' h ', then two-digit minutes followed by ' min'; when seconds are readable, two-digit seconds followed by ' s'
5 h 21 min
